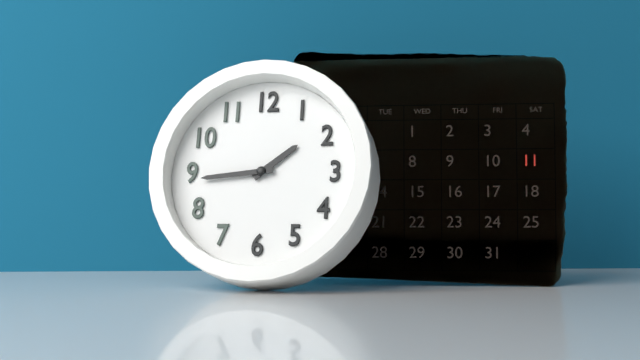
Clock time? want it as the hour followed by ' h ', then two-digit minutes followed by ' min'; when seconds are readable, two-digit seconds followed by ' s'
1 h 44 min
